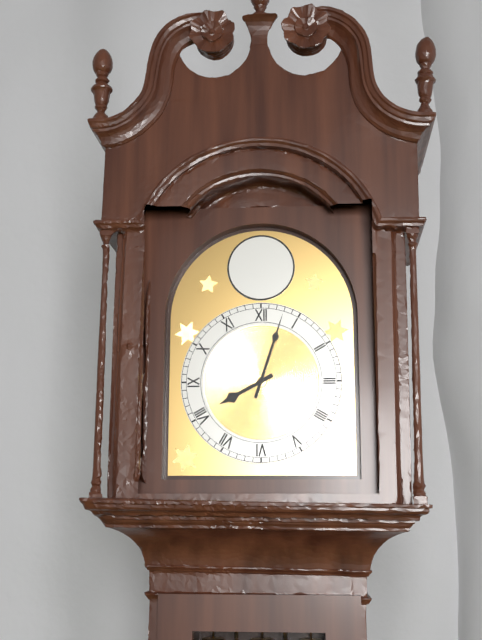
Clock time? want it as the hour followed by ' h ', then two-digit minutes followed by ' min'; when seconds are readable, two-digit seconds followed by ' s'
8 h 03 min
